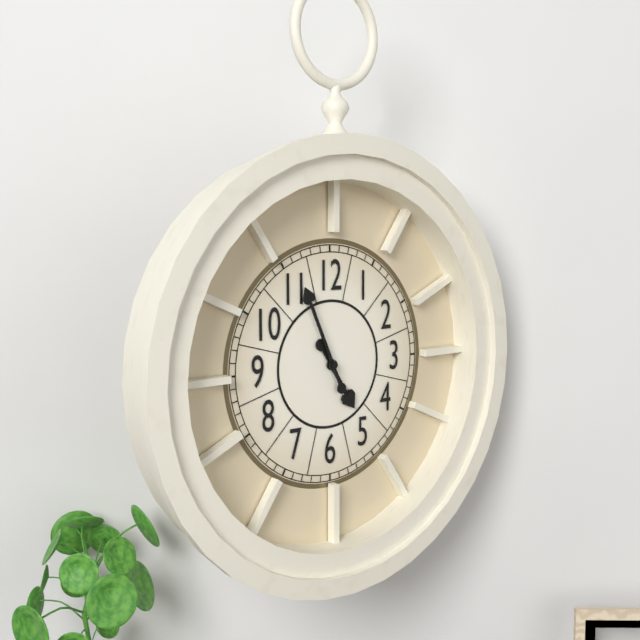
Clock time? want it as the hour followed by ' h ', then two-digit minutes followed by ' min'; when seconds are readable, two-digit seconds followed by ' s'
4 h 56 min
